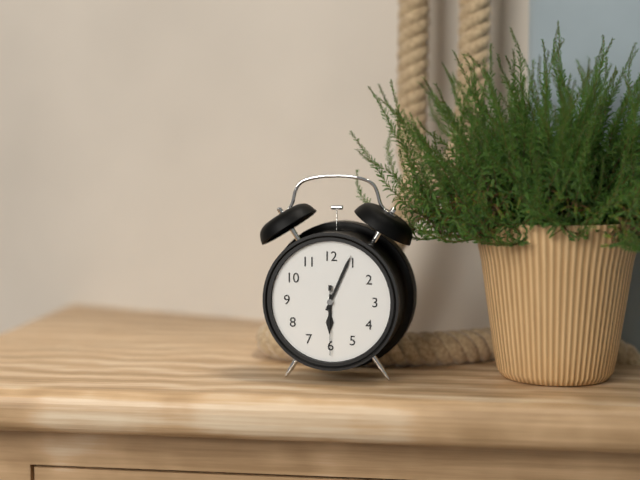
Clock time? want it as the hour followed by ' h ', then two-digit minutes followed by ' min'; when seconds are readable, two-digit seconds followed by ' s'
6 h 04 min 30 s
